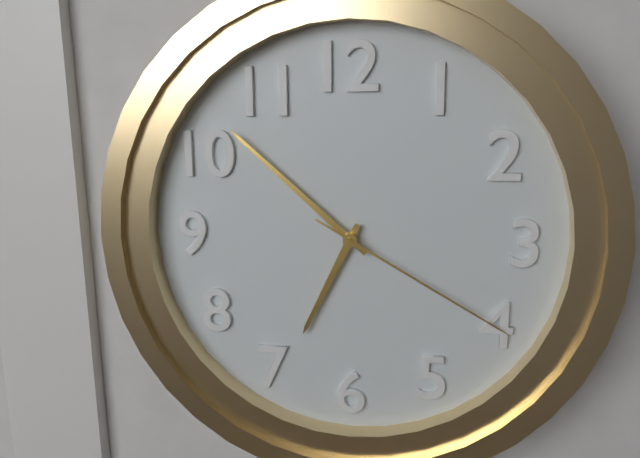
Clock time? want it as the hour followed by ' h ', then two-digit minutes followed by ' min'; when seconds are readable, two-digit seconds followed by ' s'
6 h 52 min 20 s
